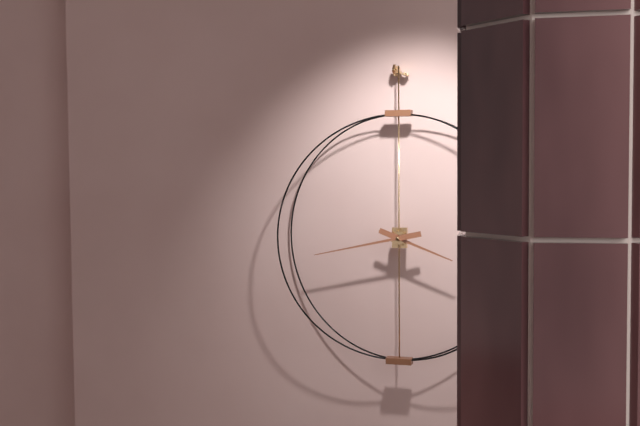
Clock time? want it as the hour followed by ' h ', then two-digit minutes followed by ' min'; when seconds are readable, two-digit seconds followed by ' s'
3 h 43 min
